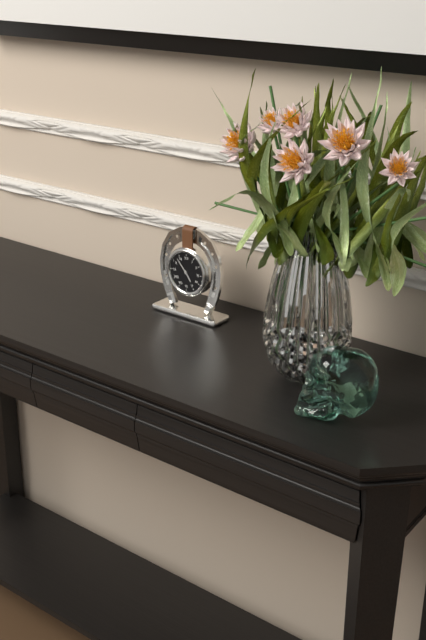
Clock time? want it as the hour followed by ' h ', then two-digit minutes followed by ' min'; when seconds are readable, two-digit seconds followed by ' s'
4 h 53 min
